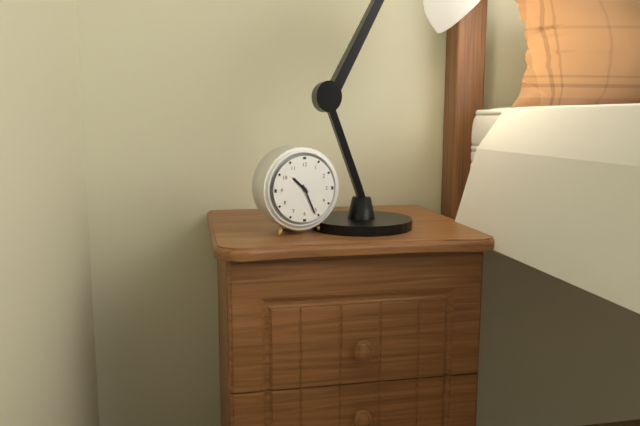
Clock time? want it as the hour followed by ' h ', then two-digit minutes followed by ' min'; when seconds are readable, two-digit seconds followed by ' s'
10 h 26 min
